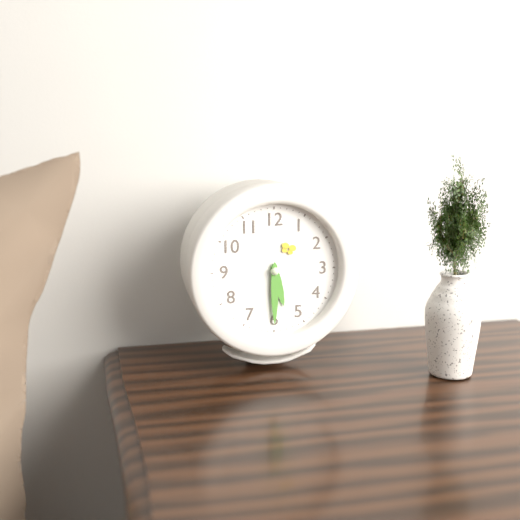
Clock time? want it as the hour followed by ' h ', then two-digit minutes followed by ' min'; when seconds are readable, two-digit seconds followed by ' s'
5 h 30 min
